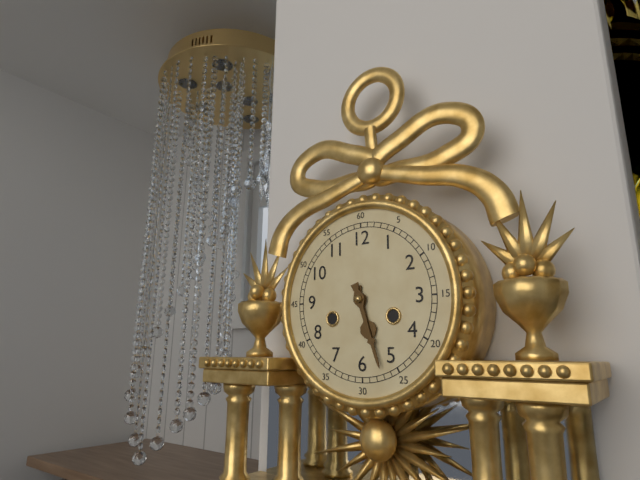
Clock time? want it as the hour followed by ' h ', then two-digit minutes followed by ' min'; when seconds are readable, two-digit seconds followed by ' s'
5 h 27 min
